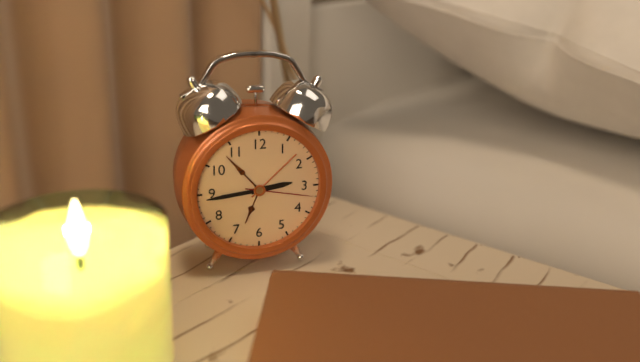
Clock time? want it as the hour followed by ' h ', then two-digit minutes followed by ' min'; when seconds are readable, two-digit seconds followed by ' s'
2 h 44 min 17 s
